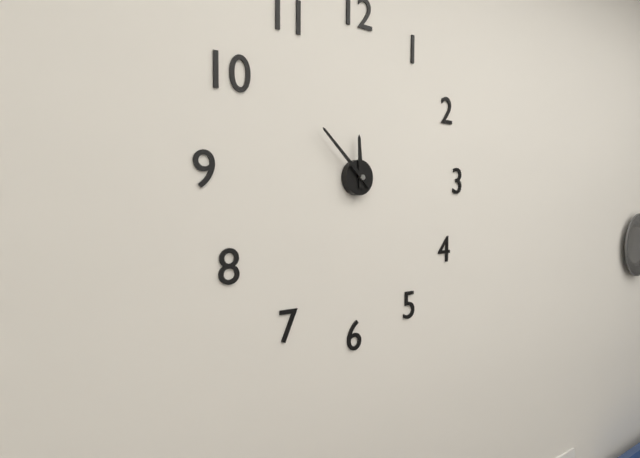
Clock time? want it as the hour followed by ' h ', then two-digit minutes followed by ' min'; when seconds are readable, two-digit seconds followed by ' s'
11 h 52 min
